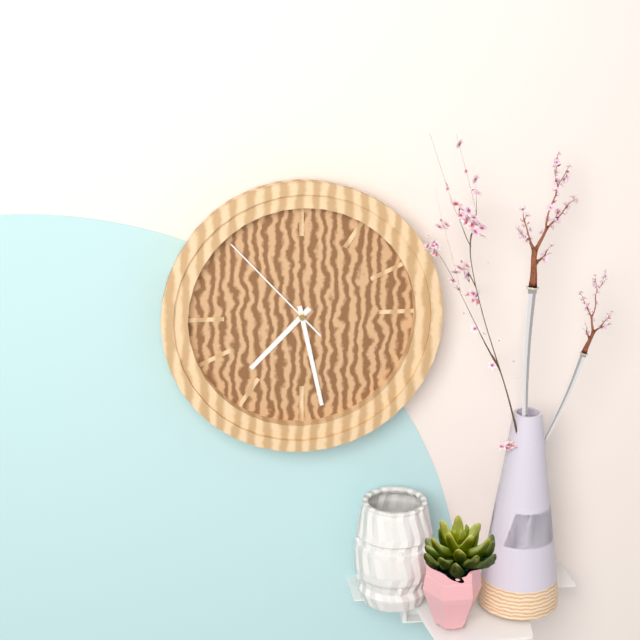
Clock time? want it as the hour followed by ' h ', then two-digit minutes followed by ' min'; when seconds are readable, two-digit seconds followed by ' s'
7 h 28 min 53 s
